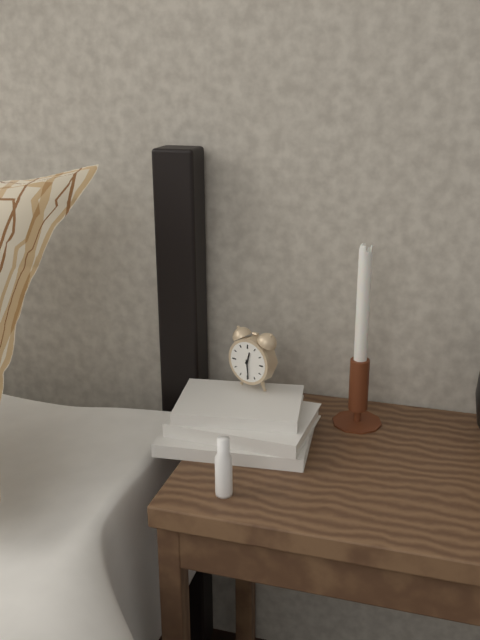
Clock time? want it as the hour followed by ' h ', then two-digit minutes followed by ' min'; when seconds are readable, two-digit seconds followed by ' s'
12 h 29 min
